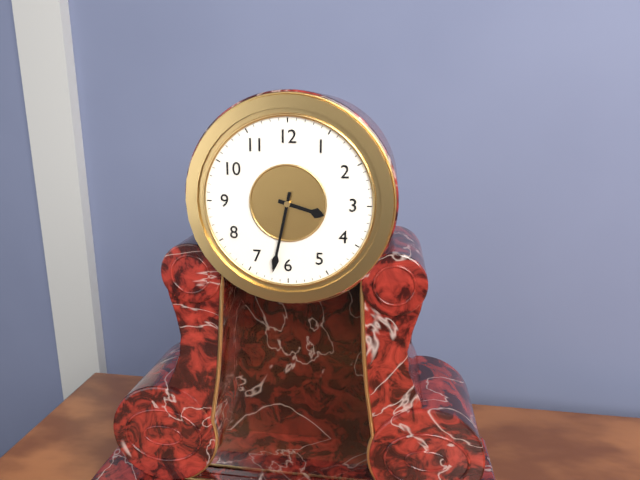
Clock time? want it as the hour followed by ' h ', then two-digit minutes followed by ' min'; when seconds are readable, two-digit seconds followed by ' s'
3 h 32 min
